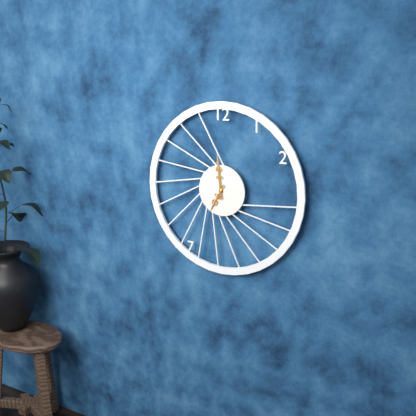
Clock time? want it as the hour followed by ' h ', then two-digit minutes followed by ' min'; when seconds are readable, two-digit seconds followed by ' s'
6 h 59 min
